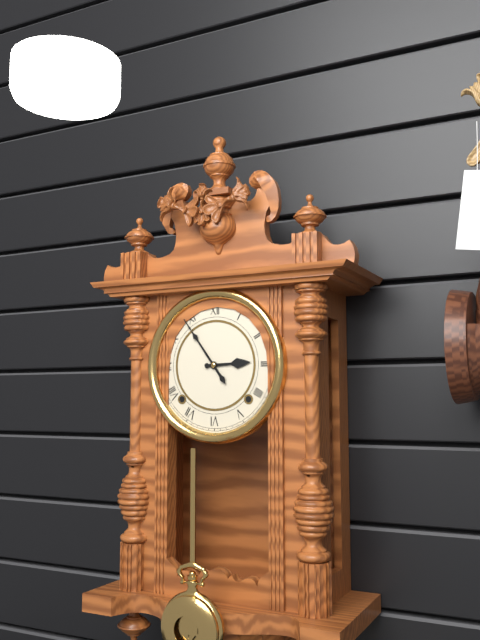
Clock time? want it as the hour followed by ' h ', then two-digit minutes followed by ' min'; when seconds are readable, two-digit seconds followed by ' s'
2 h 54 min
